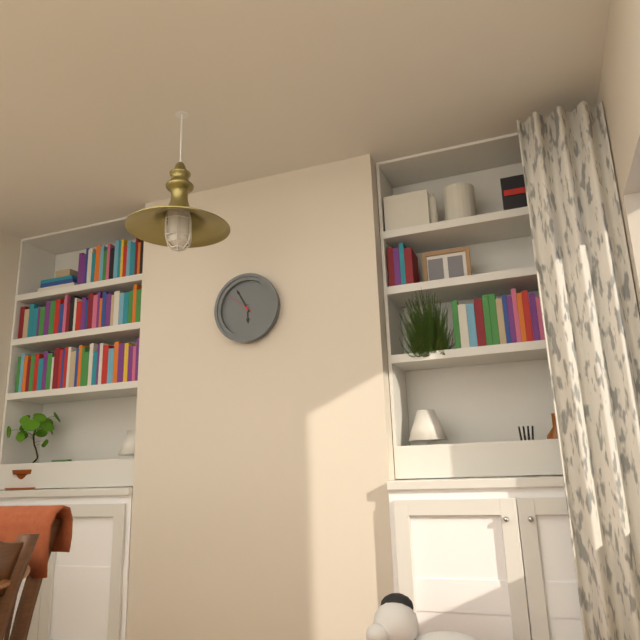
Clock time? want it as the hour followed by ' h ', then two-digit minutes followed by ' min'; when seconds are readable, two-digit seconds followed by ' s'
5 h 55 min
